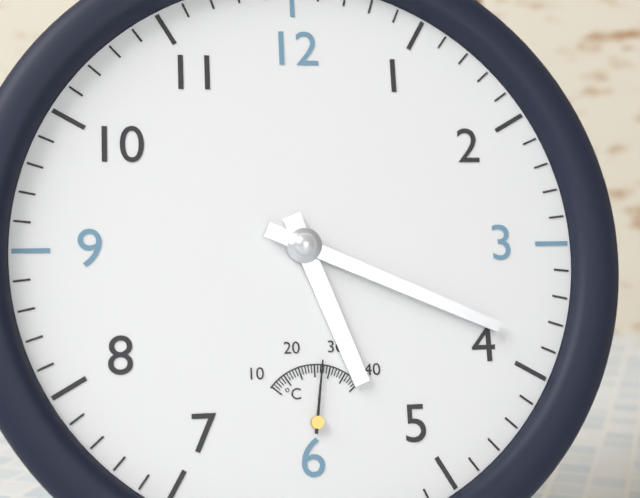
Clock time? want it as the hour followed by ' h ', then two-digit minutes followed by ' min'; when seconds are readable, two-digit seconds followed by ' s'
5 h 19 min
